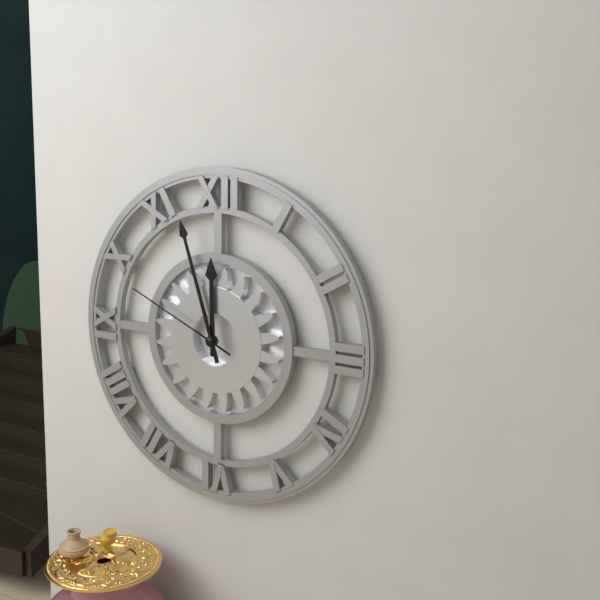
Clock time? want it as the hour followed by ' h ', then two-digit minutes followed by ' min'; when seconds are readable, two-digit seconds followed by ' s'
11 h 57 min 49 s
